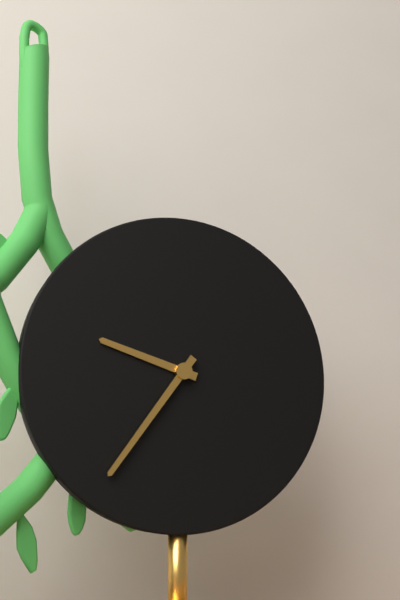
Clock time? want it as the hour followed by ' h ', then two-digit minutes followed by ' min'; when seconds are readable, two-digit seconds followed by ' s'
9 h 36 min
